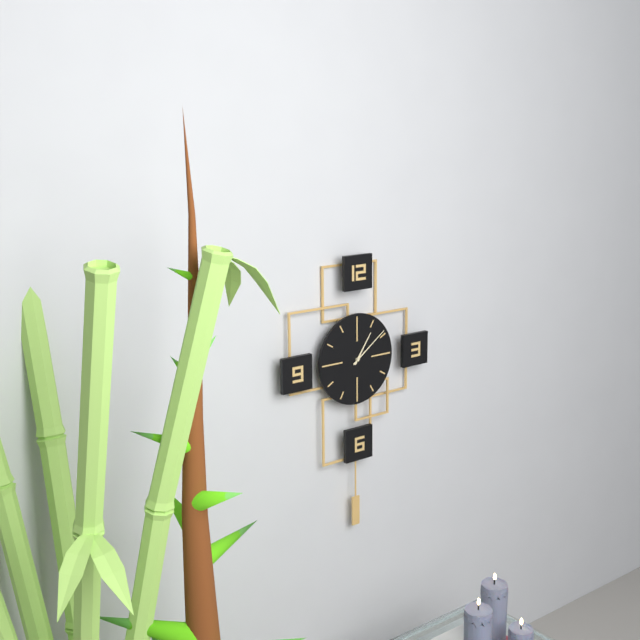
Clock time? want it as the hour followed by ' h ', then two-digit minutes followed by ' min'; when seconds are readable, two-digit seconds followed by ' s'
1 h 09 min
